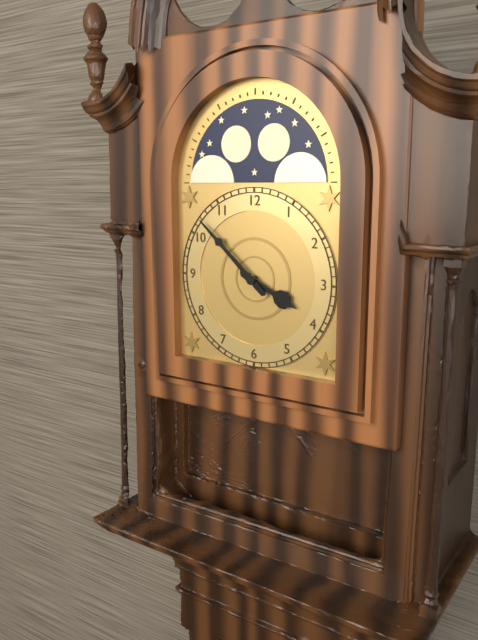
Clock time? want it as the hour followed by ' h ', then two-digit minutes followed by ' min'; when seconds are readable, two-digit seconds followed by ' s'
3 h 52 min
